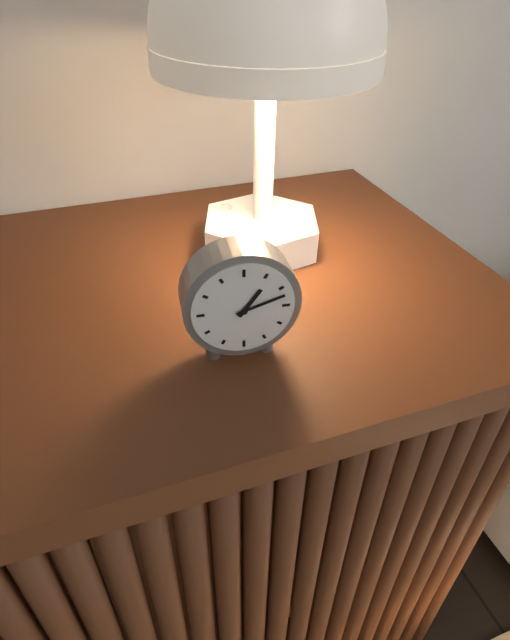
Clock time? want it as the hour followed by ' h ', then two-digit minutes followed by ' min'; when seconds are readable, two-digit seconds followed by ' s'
1 h 12 min
